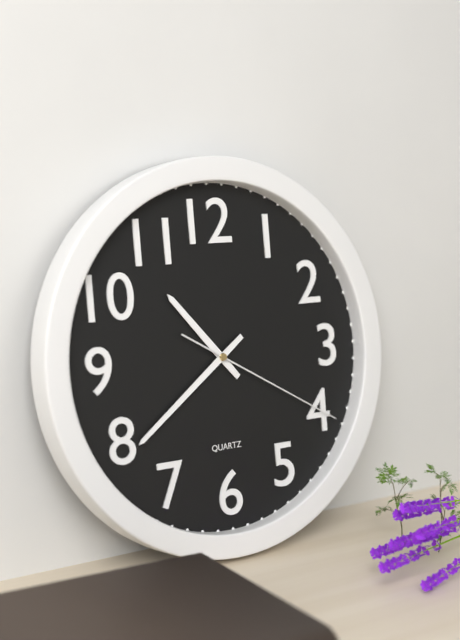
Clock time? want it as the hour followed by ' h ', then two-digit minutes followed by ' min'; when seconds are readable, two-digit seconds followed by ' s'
10 h 39 min 20 s
